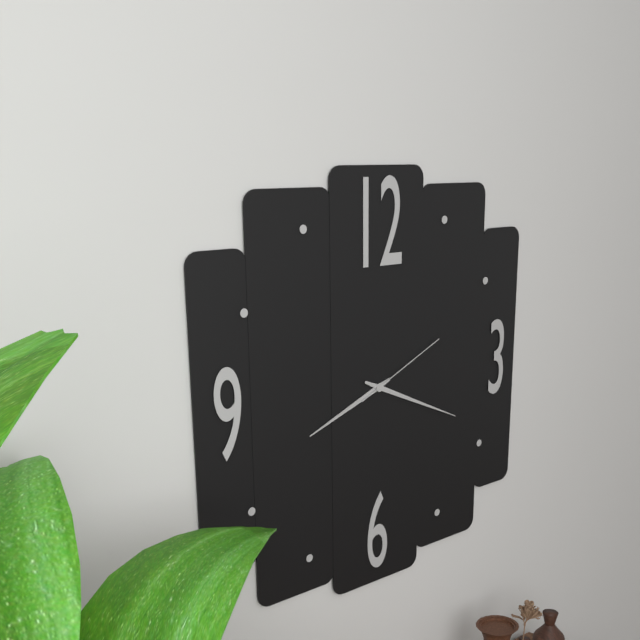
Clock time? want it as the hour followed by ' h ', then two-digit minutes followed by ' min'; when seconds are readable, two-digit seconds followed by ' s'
8 h 19 min 11 s
